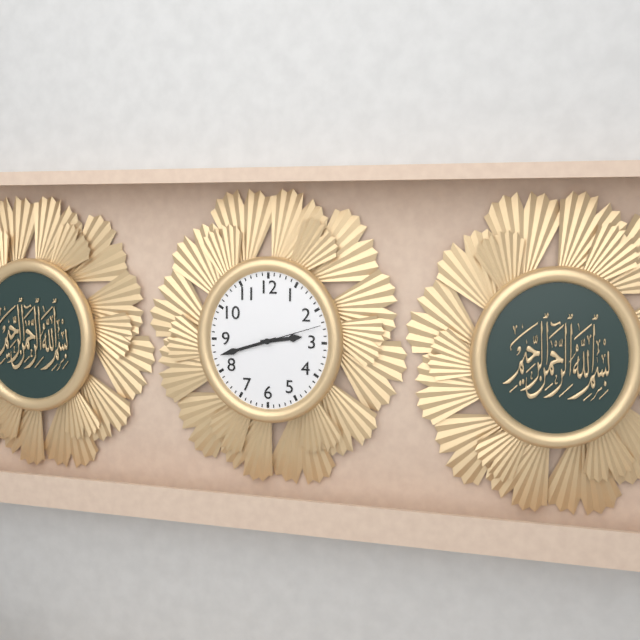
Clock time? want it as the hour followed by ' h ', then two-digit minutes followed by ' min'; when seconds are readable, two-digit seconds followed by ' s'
2 h 42 min 12 s
